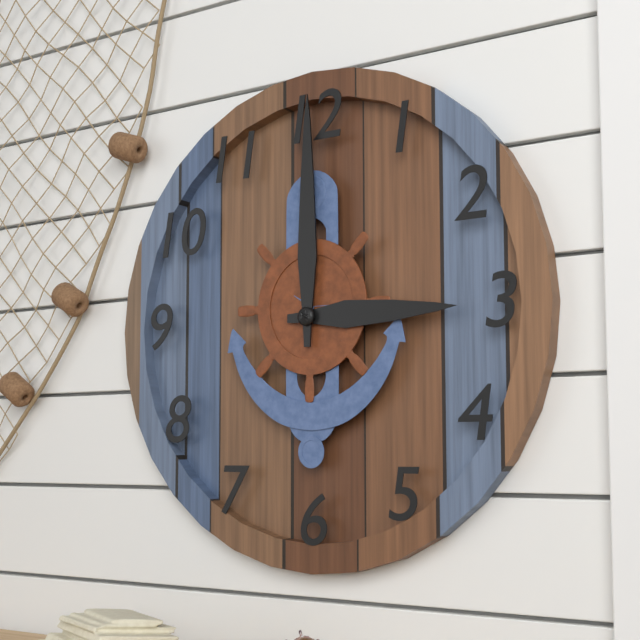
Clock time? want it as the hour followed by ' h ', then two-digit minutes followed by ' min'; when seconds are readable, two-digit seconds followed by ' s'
3 h 00 min
